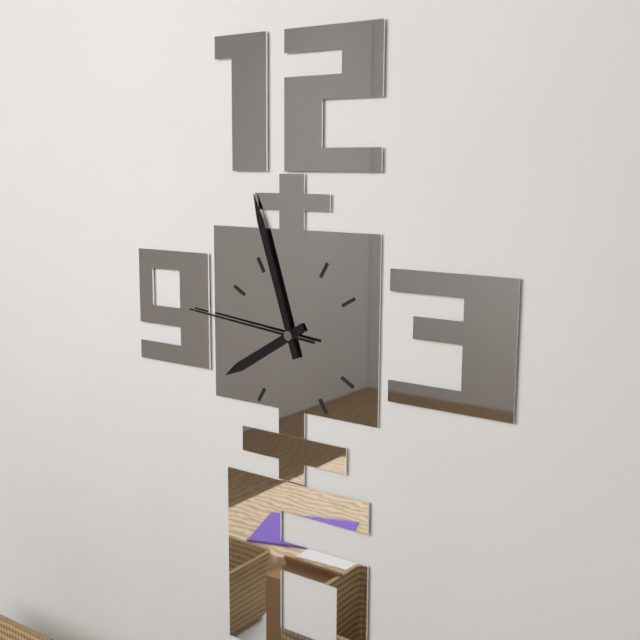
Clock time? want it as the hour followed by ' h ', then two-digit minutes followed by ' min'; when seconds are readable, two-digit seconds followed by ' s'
7 h 57 min 46 s
